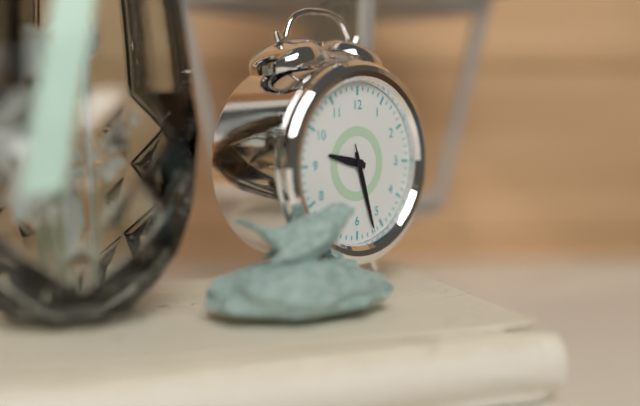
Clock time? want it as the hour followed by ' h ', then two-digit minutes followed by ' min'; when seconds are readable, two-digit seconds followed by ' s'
9 h 27 min 27 s
